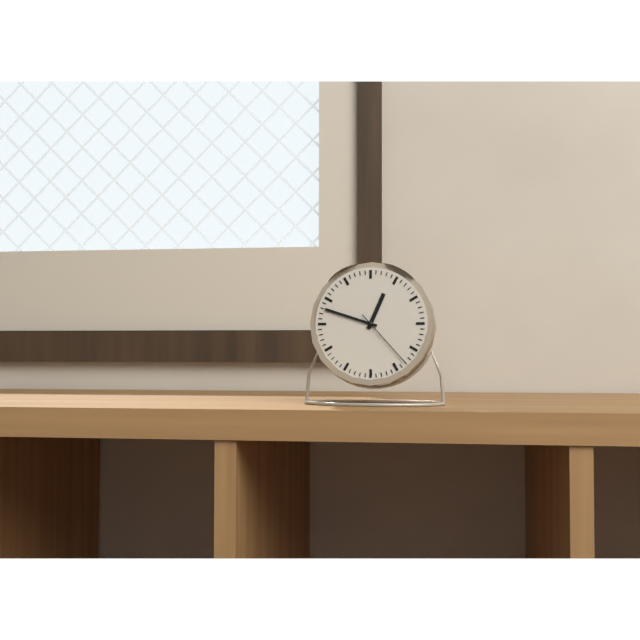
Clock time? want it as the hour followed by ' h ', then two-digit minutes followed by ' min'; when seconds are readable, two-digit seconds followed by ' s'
12 h 48 min 23 s
